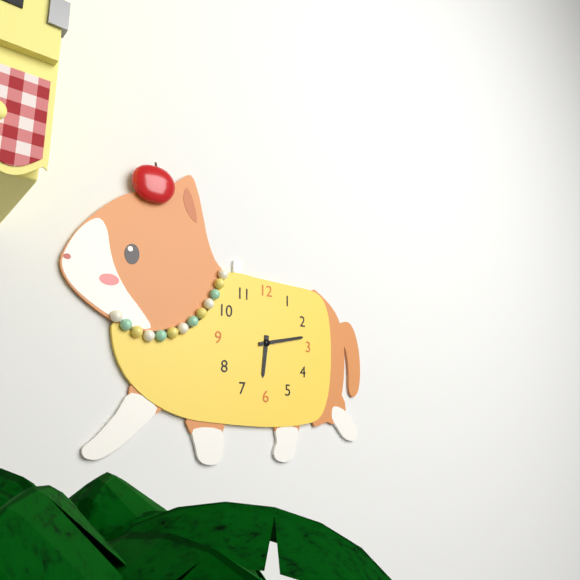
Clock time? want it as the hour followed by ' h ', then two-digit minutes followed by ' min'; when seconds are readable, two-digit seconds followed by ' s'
6 h 13 min
